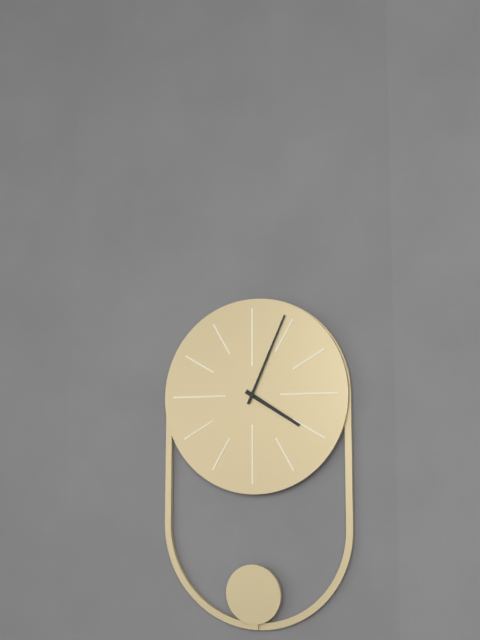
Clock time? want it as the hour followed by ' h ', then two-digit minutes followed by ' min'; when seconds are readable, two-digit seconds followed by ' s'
4 h 04 min
